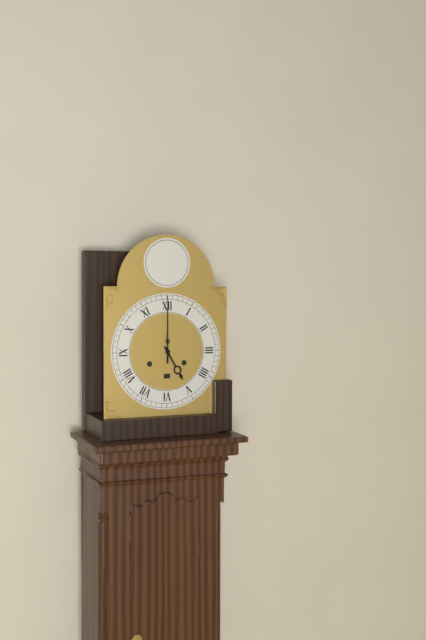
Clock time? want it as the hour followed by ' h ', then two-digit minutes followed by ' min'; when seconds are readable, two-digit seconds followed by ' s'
5 h 00 min
